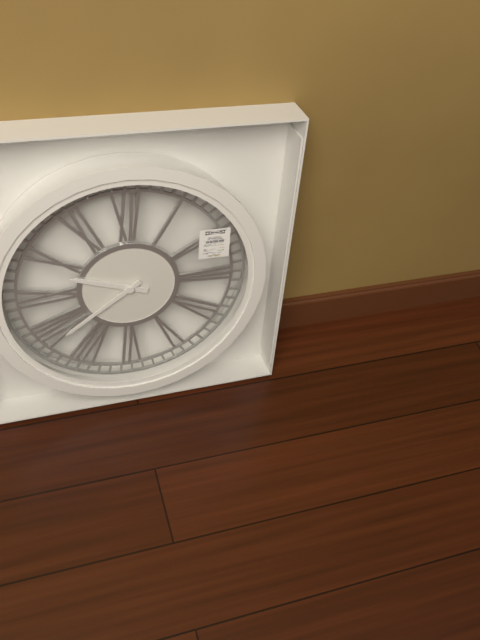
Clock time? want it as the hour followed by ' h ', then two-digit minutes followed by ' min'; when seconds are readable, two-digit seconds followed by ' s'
9 h 39 min
